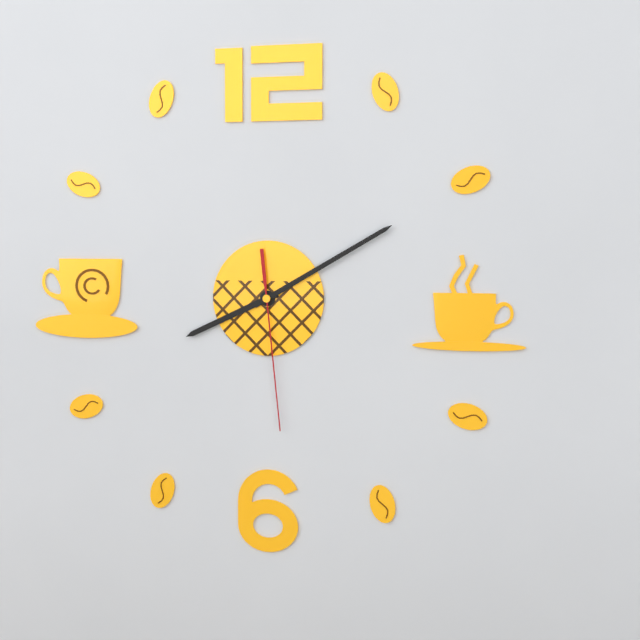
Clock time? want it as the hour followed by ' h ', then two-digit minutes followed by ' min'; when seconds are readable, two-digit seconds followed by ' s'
8 h 10 min 29 s
